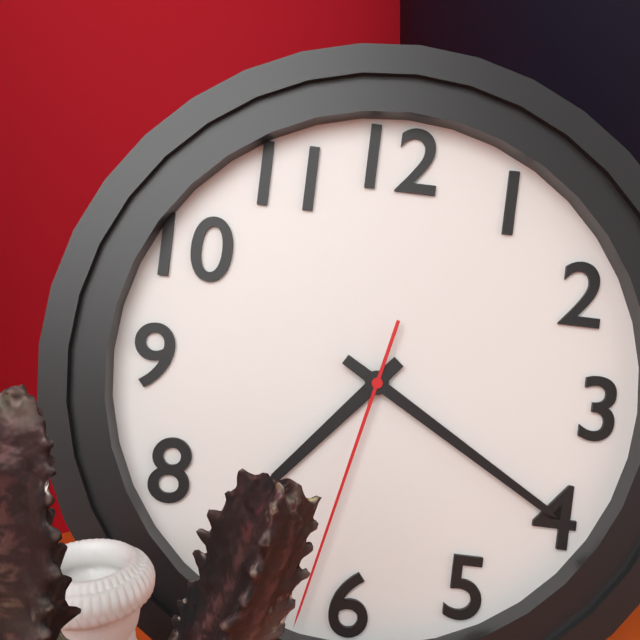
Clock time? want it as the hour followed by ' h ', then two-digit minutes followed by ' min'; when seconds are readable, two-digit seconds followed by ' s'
7 h 20 min 32 s
